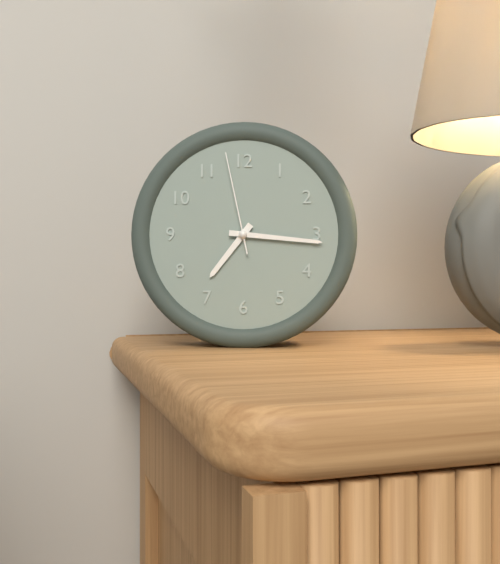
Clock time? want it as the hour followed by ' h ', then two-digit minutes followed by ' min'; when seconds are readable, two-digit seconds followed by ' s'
7 h 16 min 58 s
